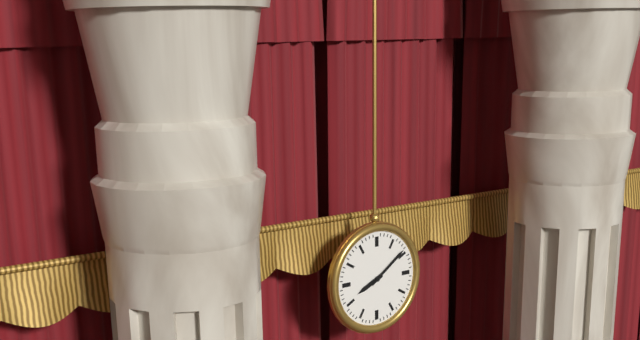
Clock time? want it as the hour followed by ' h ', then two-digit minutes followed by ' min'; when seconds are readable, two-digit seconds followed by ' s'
8 h 09 min
